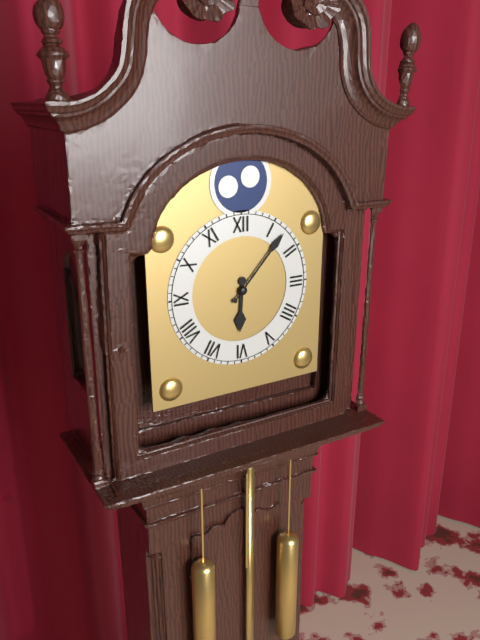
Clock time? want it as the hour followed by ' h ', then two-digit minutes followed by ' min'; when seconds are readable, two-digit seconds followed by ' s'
6 h 07 min
